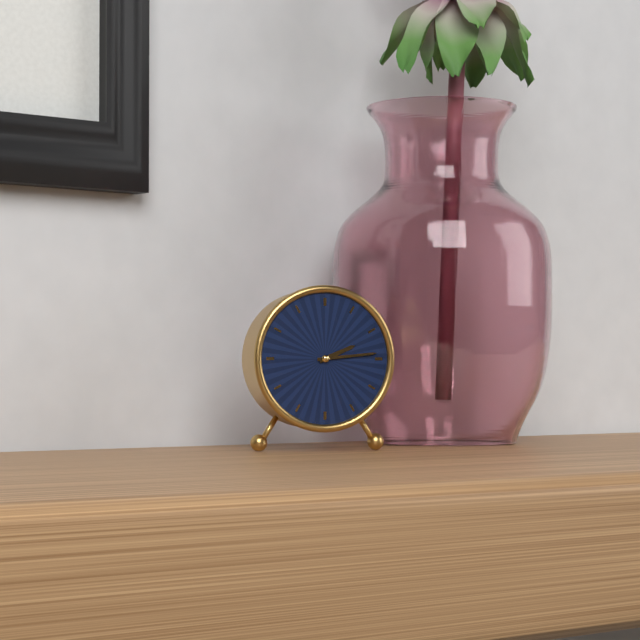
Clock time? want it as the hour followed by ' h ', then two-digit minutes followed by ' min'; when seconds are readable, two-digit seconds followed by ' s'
2 h 14 min
